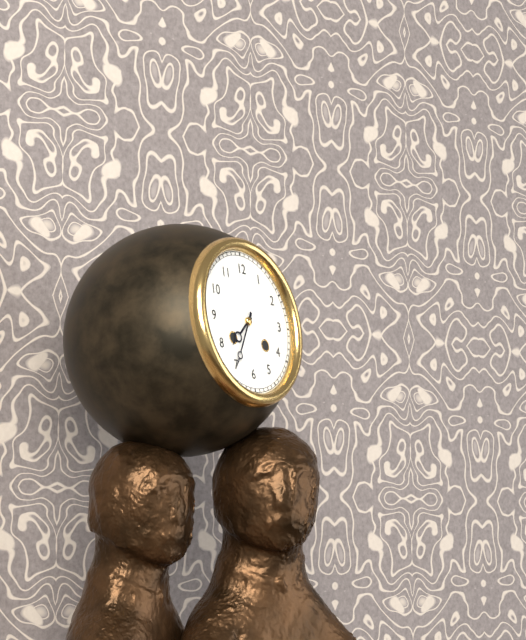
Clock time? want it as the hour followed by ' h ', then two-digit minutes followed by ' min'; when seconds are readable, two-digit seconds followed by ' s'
7 h 35 min
